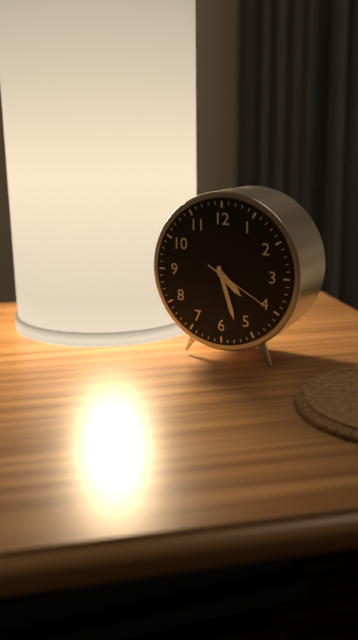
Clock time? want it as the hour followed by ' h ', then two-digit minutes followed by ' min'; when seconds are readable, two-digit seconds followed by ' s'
4 h 27 min 20 s
